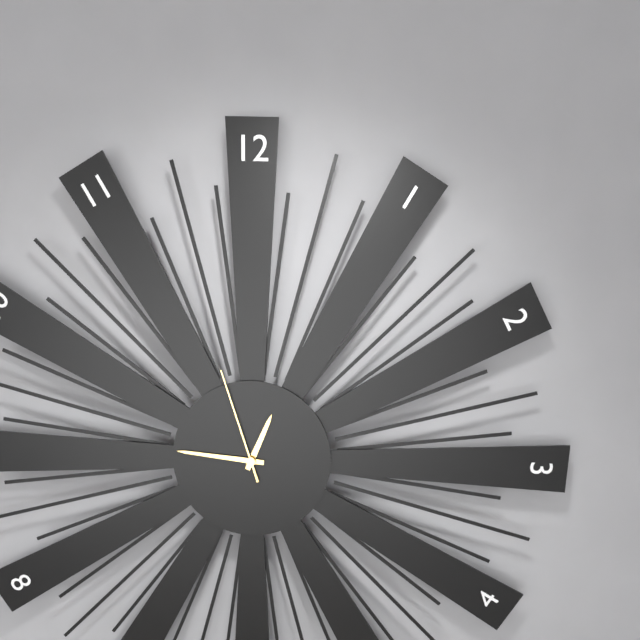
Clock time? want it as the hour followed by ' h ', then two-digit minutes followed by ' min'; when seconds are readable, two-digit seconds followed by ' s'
12 h 46 min 57 s
